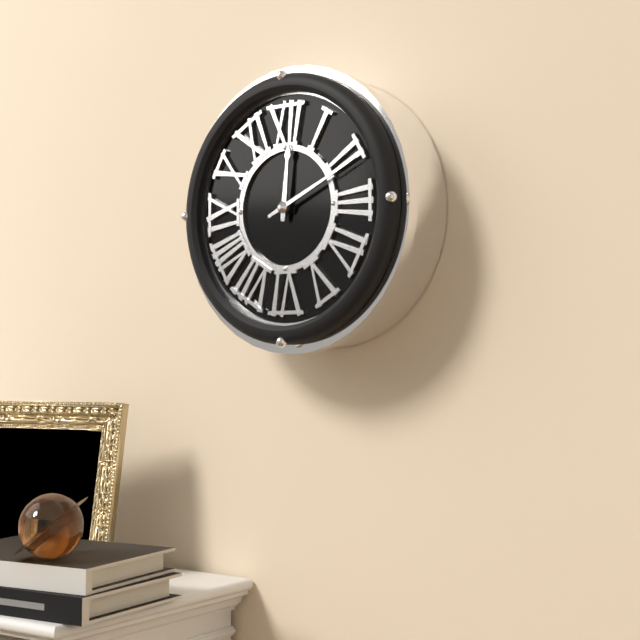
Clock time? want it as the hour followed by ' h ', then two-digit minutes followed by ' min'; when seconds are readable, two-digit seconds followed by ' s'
12 h 11 min
